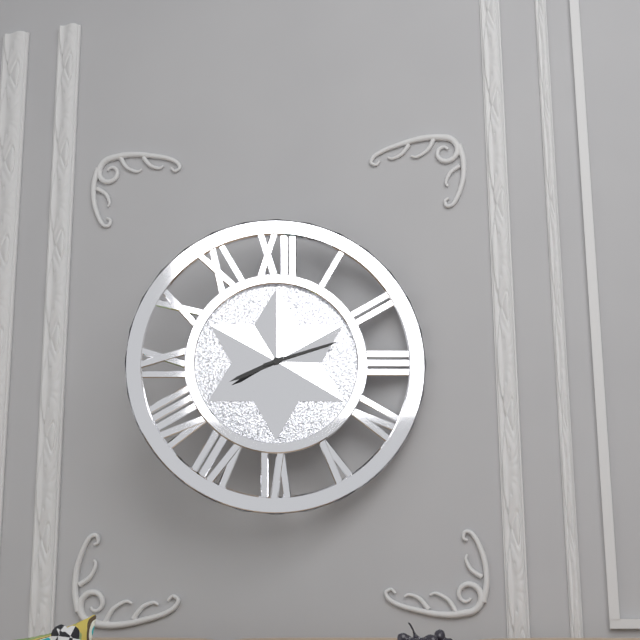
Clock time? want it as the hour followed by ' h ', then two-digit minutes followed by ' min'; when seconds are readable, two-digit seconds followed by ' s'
8 h 12 min
